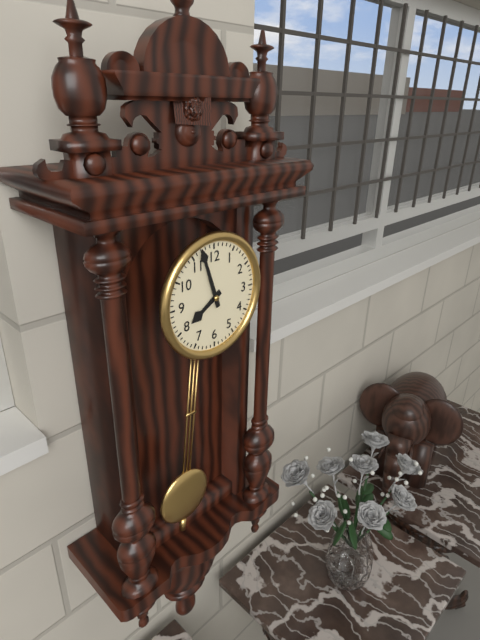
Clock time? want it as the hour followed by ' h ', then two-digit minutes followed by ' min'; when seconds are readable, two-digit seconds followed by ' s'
7 h 57 min
